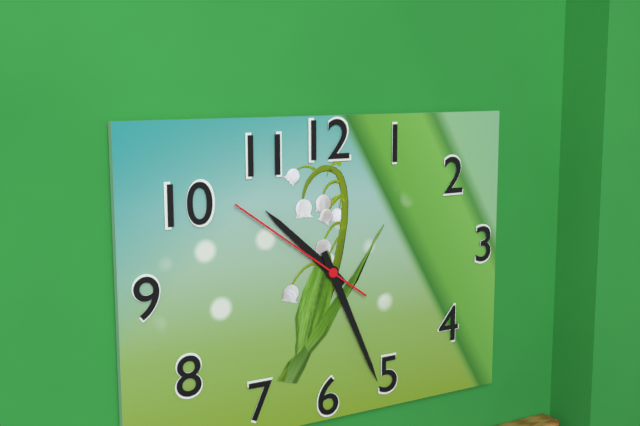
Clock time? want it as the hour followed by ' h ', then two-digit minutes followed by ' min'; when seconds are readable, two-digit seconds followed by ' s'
10 h 26 min 51 s
